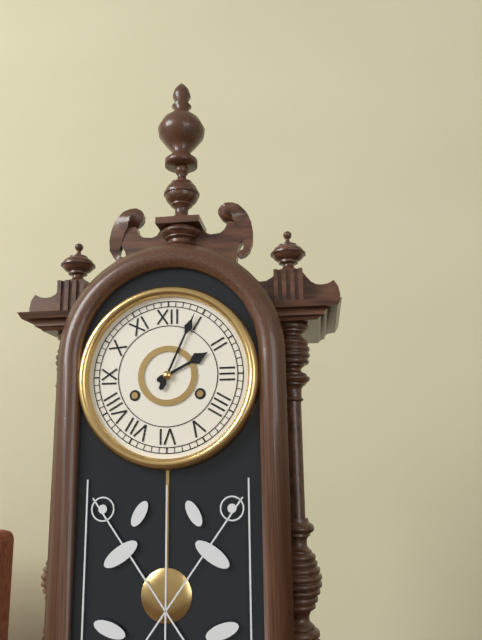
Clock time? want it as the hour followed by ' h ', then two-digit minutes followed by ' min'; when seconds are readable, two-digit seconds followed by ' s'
2 h 04 min
